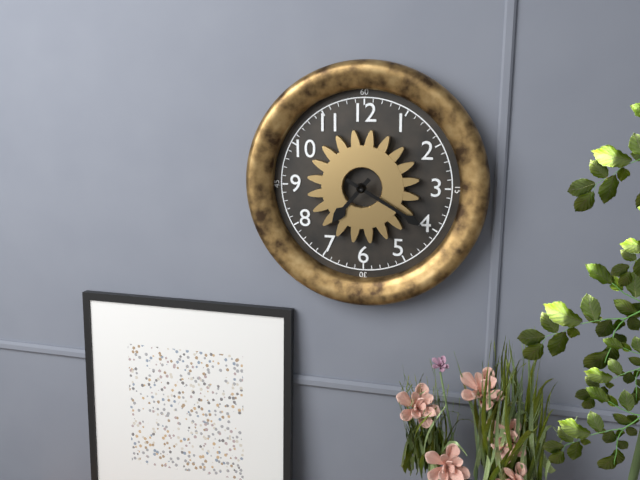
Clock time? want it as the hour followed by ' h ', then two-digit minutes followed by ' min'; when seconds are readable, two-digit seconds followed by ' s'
7 h 20 min
